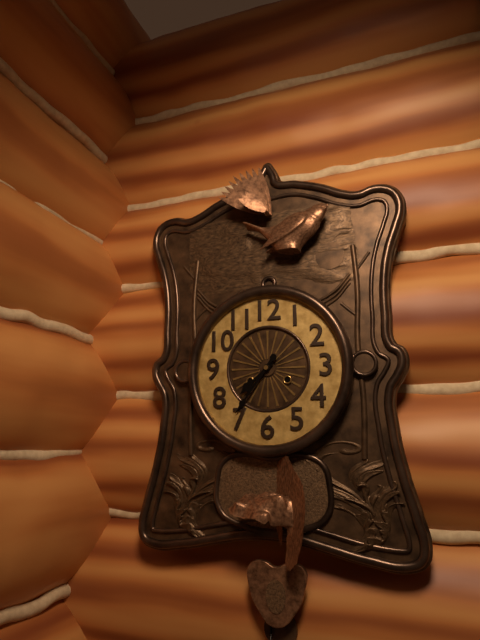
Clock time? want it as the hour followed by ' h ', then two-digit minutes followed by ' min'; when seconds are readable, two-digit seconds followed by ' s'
7 h 36 min
